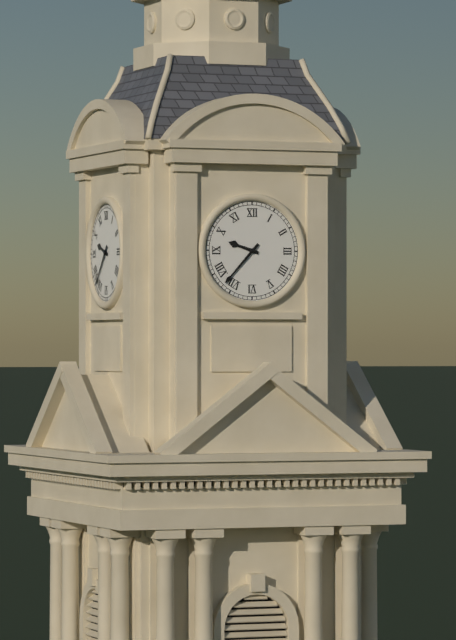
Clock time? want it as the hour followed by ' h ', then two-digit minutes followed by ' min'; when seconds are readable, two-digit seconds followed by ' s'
9 h 37 min
